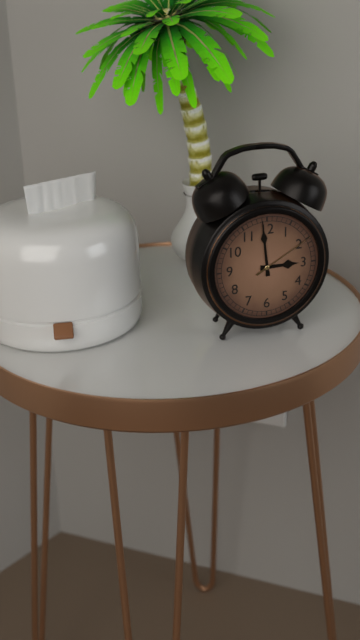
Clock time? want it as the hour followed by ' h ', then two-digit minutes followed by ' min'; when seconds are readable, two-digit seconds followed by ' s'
2 h 59 min 10 s
